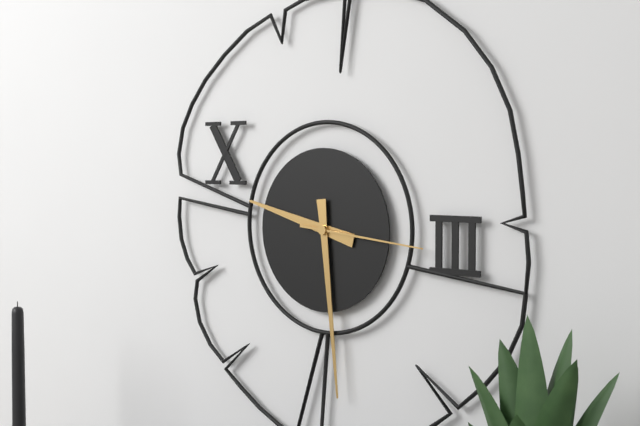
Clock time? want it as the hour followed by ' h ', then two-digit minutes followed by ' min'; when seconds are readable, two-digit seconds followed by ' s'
9 h 29 min 16 s
